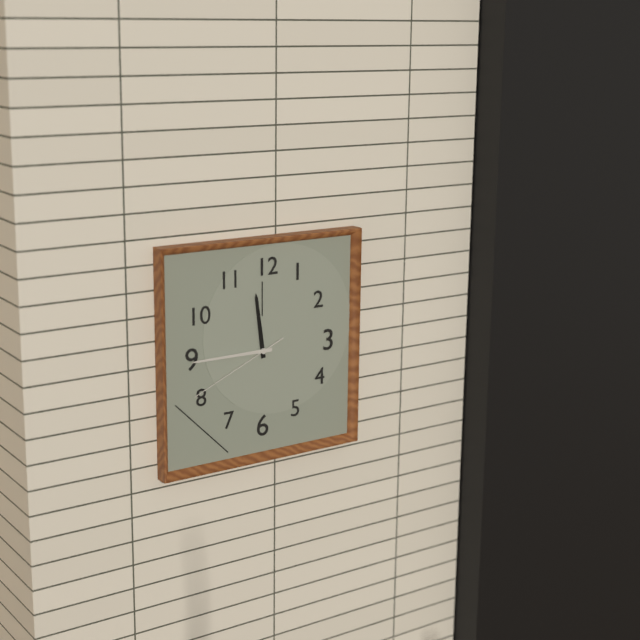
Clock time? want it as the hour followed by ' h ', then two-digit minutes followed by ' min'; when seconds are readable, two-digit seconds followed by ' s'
11 h 45 min 41 s
